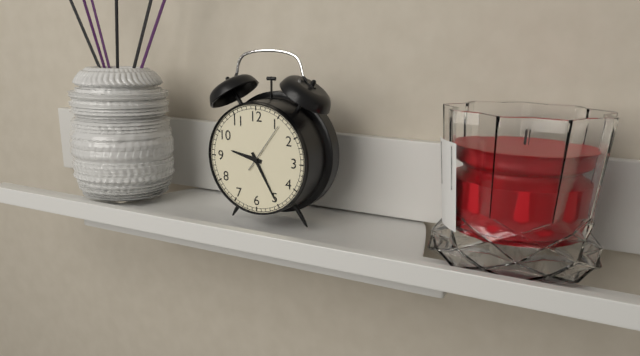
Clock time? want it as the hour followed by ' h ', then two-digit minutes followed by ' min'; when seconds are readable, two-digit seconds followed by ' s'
9 h 25 min 06 s
